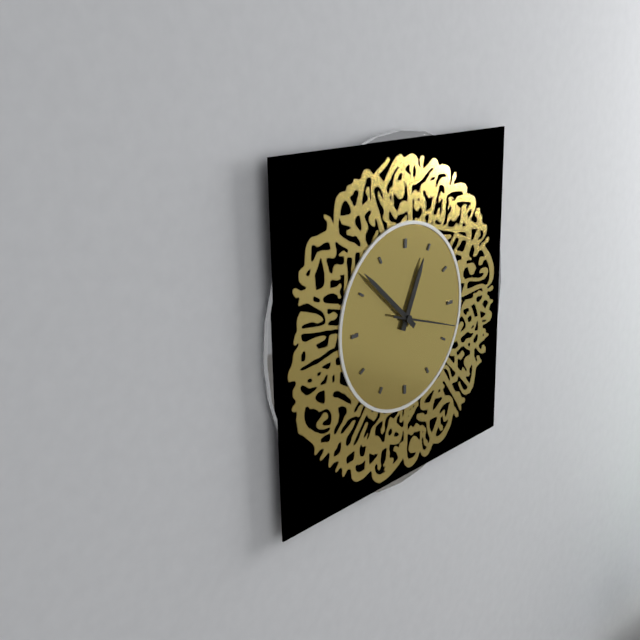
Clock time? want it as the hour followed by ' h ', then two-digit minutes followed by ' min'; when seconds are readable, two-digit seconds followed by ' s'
12 h 52 min 18 s
